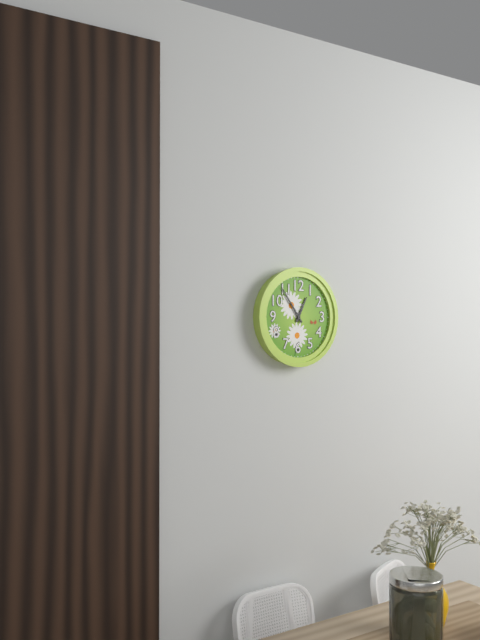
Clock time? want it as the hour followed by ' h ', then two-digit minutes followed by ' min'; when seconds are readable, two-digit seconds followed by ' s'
12 h 54 min
